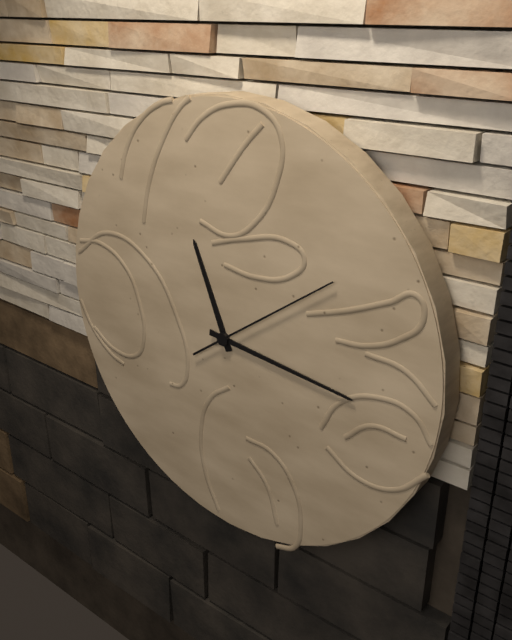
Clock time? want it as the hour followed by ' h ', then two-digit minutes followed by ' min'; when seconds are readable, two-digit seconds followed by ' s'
11 h 16 min 09 s
